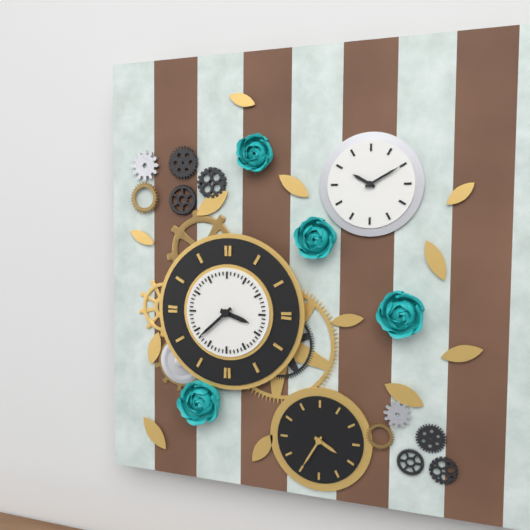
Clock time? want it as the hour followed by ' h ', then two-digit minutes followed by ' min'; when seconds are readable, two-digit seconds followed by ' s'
3 h 38 min
